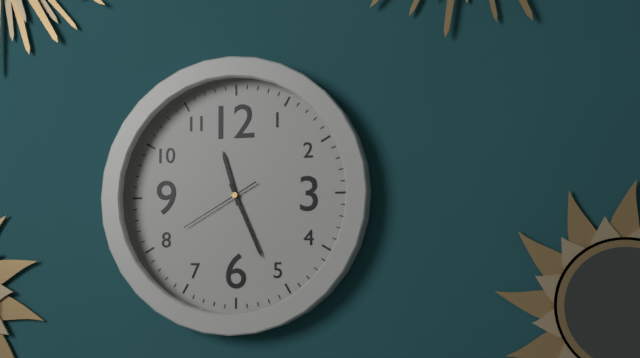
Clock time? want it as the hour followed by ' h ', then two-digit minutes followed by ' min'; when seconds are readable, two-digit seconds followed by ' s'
11 h 26 min 40 s
